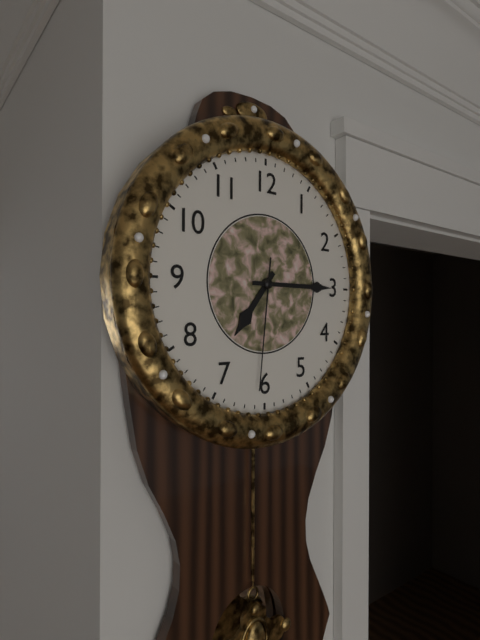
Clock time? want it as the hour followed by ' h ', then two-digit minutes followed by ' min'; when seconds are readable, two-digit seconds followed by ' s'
7 h 15 min 31 s
